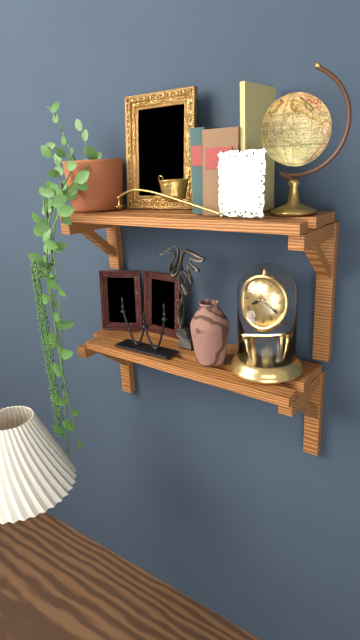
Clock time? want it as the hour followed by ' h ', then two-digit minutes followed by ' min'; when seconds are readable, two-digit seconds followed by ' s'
8 h 20 min
